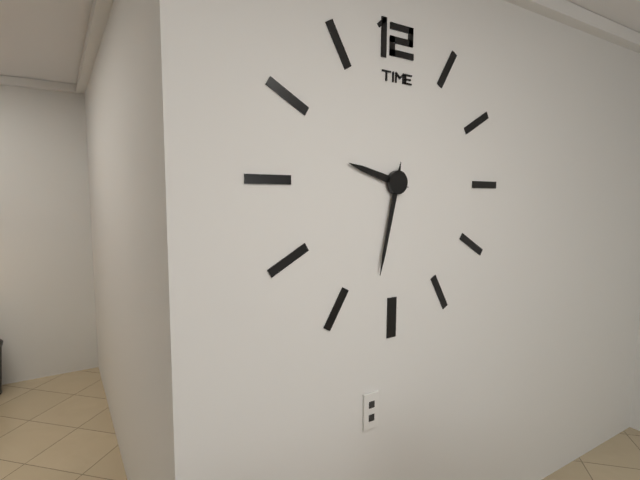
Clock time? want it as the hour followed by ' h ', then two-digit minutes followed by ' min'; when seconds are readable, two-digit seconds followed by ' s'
9 h 32 min
